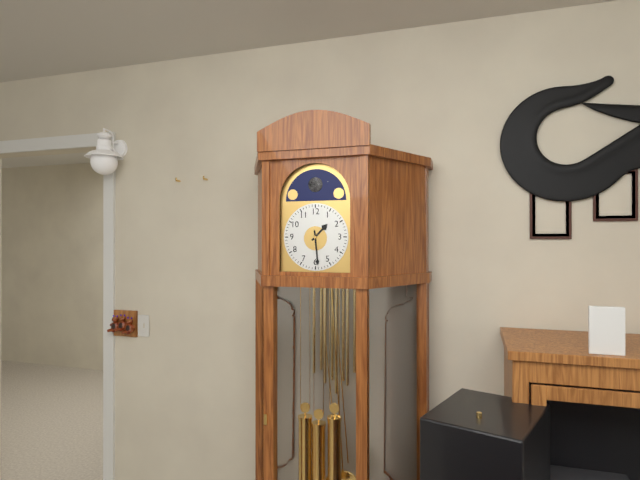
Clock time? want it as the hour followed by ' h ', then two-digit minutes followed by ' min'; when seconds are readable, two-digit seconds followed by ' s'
1 h 29 min
